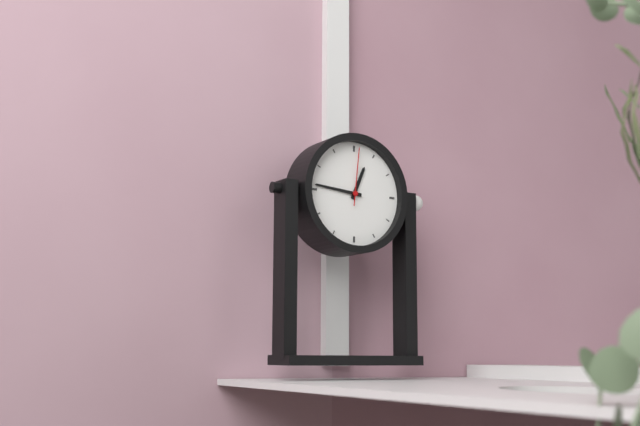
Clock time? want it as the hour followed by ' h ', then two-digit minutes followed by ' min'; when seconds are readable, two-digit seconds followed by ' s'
12 h 46 min 01 s
